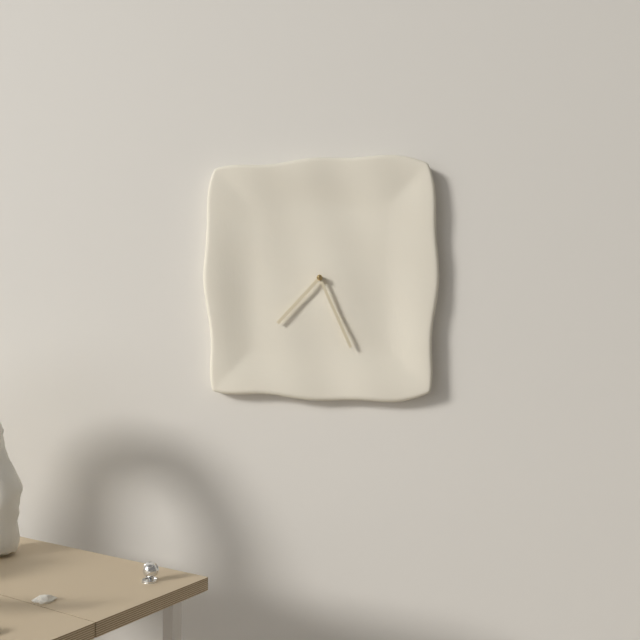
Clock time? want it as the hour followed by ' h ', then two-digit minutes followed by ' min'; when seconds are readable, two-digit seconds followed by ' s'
7 h 26 min
